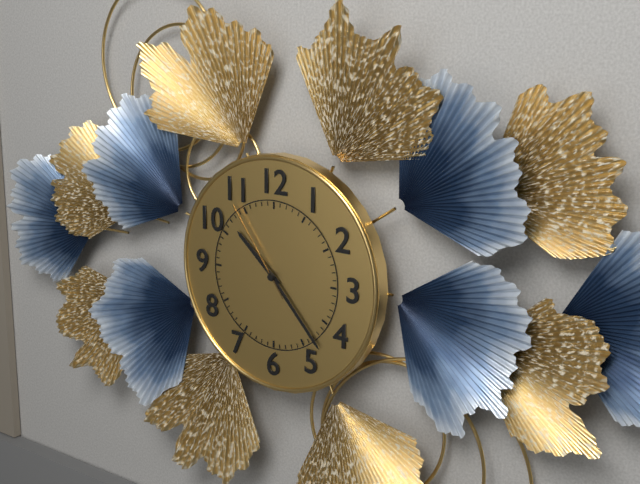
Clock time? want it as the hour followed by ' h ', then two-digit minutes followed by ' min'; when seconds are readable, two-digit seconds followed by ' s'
10 h 23 min 54 s
